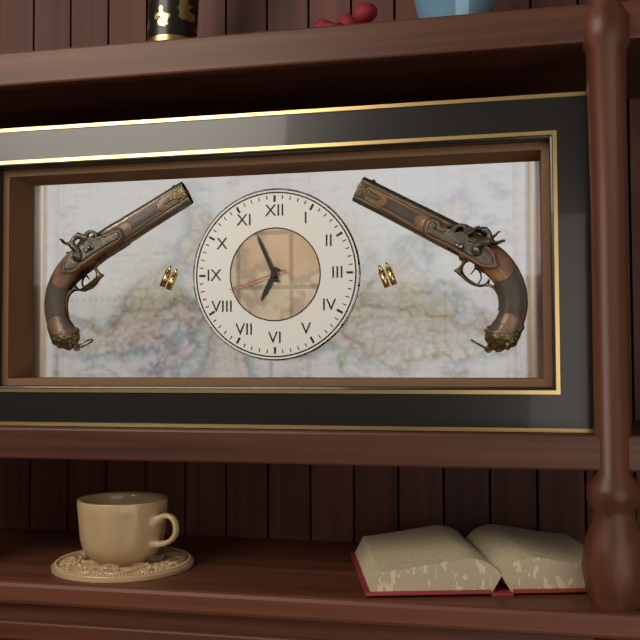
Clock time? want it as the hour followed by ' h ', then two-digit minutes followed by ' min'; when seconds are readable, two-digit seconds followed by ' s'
6 h 56 min 42 s
